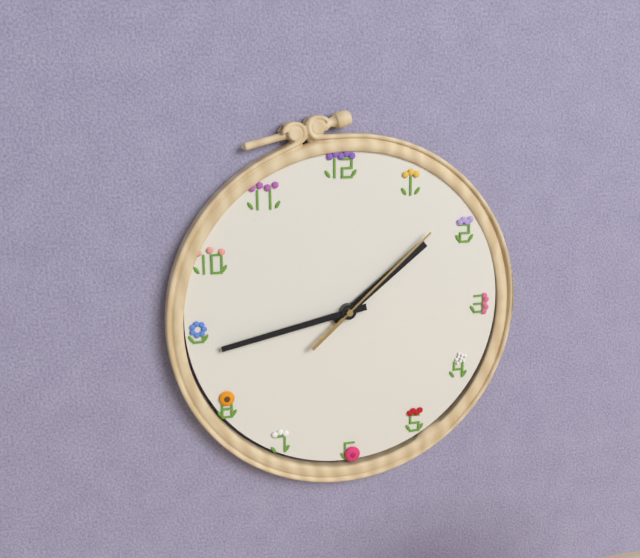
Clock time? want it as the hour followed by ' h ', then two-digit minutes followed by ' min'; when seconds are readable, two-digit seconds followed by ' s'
1 h 43 min 08 s
